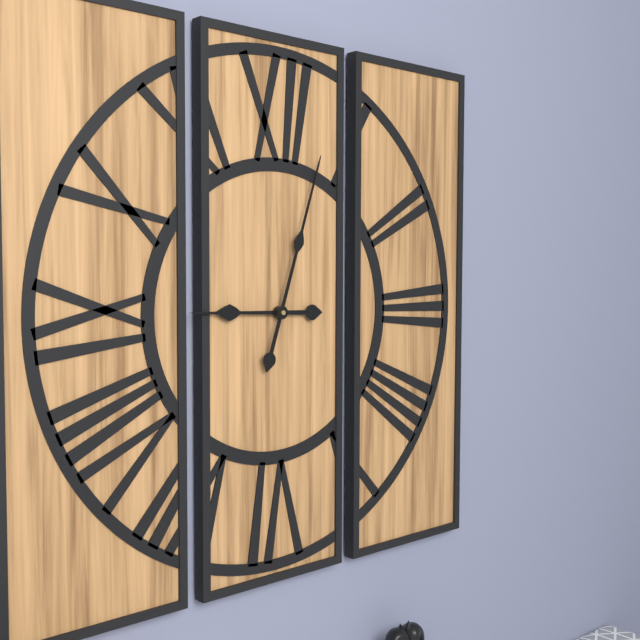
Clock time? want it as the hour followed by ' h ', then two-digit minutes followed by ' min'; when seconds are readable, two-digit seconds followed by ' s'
9 h 03 min
